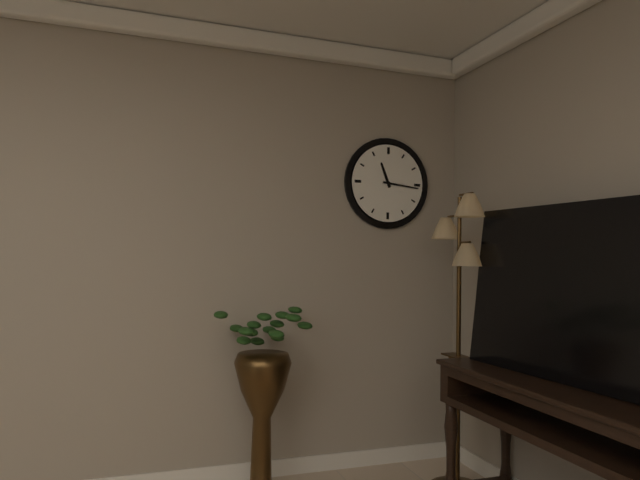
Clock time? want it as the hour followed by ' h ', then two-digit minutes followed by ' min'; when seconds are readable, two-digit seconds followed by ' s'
11 h 16 min
